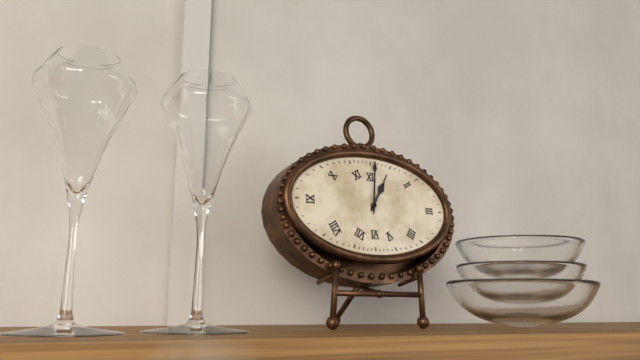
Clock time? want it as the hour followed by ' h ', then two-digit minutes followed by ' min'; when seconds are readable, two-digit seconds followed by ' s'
1 h 01 min
